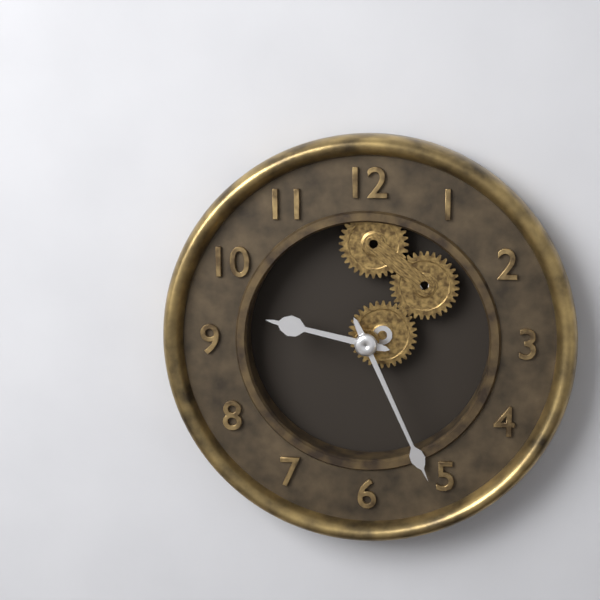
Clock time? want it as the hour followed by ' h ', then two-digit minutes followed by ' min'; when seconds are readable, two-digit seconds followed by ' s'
9 h 26 min
